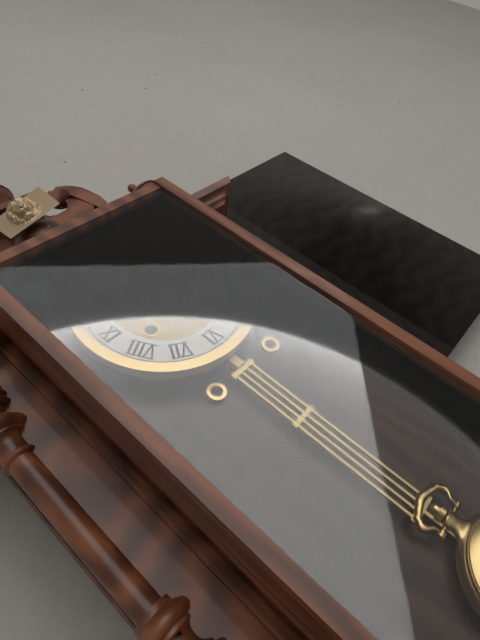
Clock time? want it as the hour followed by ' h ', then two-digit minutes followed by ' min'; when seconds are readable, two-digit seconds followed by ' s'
10 h 05 min
